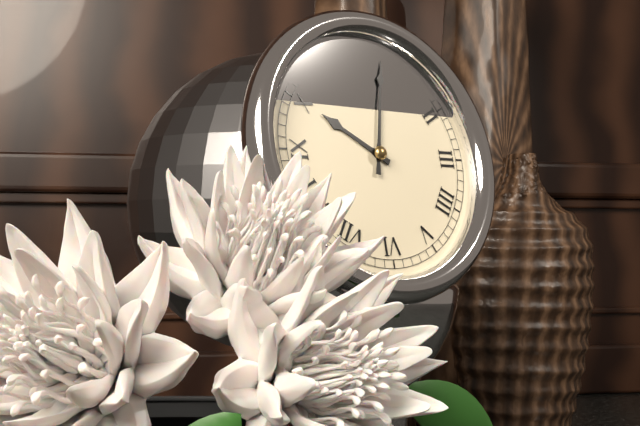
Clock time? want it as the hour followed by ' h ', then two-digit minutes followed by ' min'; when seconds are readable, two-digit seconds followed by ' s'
10 h 02 min
